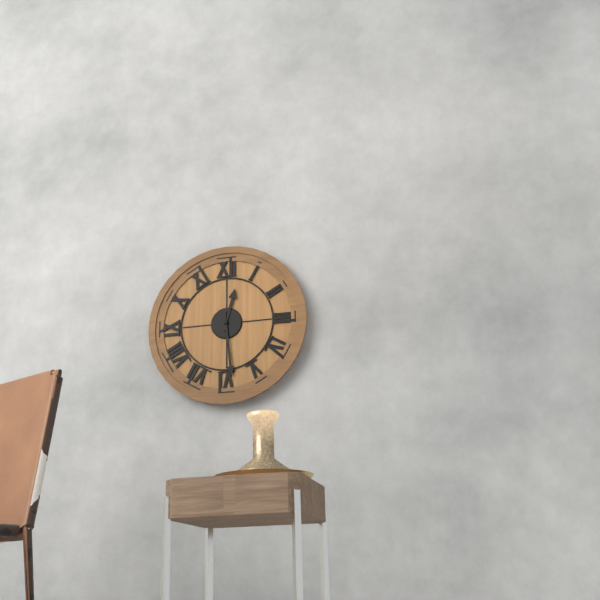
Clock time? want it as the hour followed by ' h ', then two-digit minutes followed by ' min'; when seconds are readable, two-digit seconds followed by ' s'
12 h 29 min
